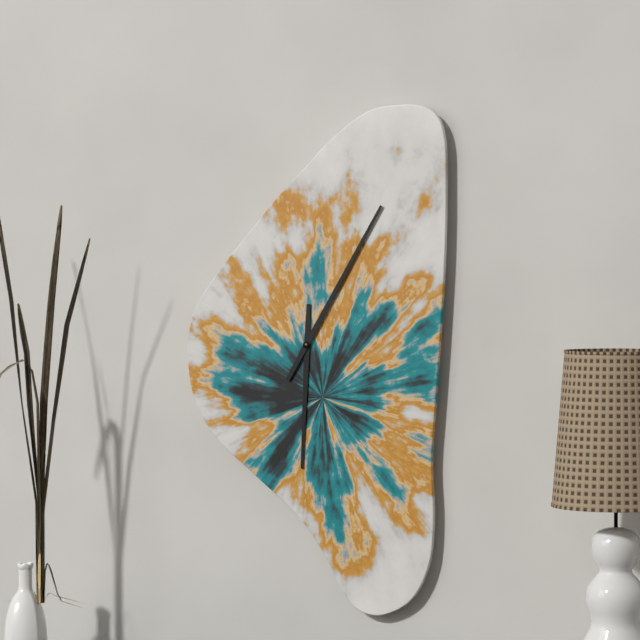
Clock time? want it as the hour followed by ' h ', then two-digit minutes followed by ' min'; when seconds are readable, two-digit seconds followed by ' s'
6 h 05 min
